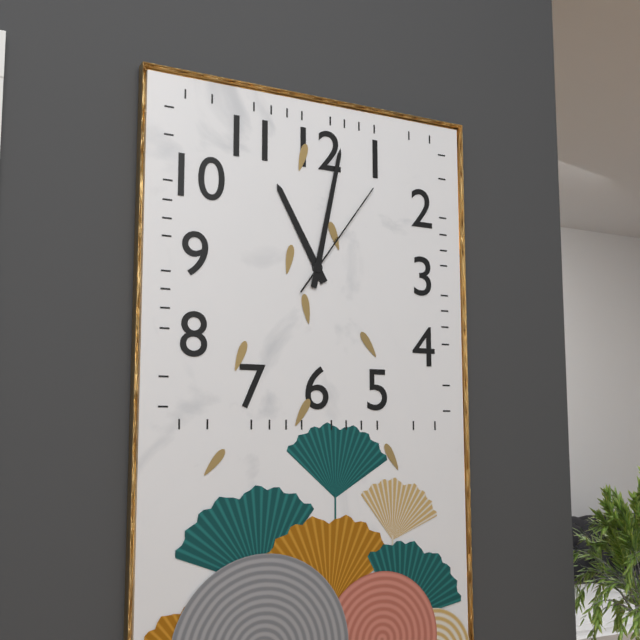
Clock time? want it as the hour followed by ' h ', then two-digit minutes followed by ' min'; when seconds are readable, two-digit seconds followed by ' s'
11 h 02 min 06 s
